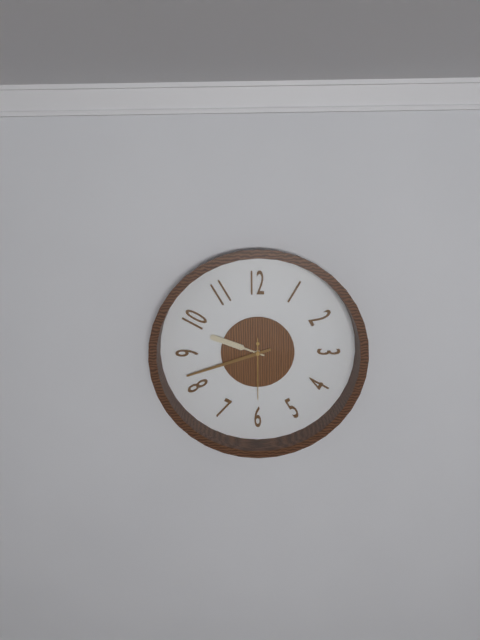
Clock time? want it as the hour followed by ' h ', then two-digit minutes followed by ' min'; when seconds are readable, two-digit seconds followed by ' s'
9 h 42 min 30 s
